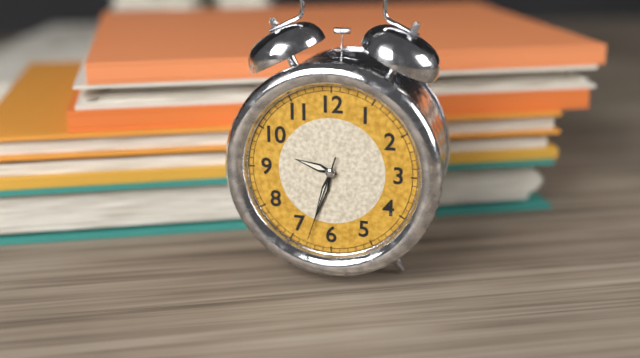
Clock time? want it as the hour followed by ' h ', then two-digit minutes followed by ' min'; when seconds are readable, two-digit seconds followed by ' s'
9 h 33 min 33 s
